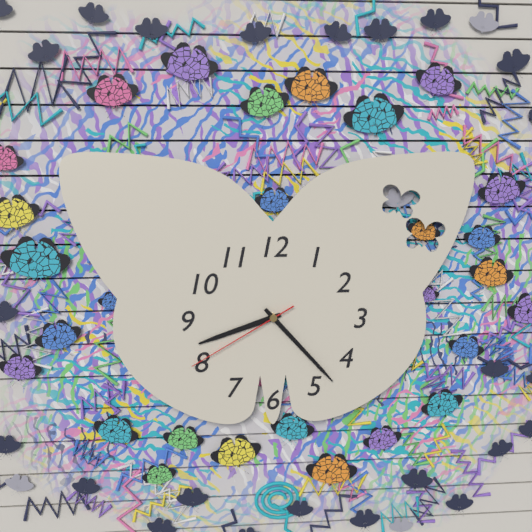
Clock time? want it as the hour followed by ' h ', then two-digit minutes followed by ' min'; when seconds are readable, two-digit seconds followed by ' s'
8 h 23 min 40 s
